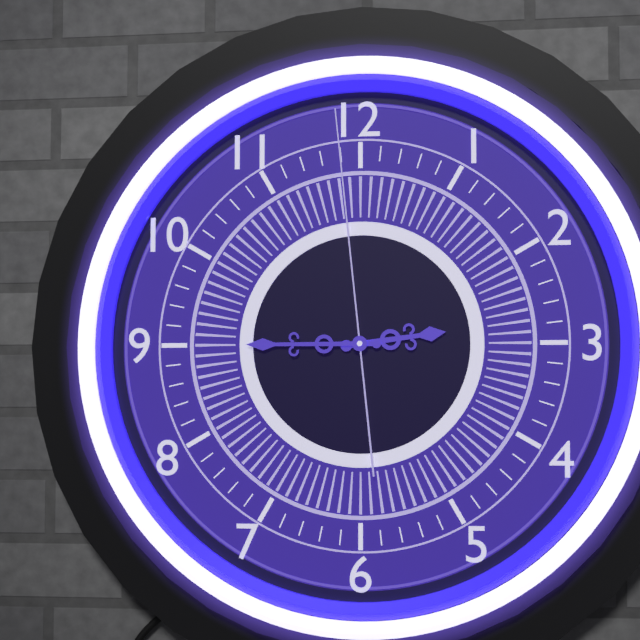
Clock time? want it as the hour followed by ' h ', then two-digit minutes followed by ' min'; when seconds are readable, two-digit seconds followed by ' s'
2 h 45 min 59 s
